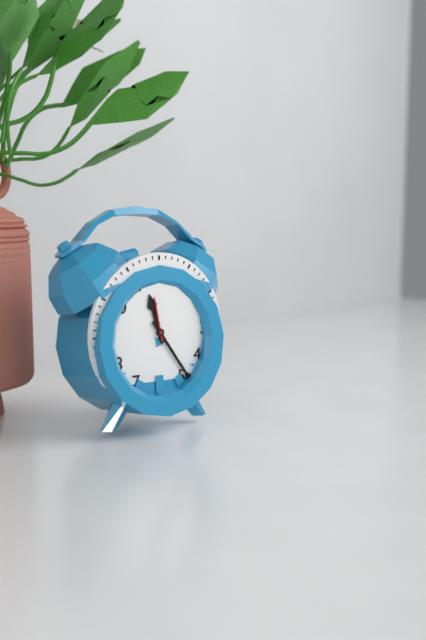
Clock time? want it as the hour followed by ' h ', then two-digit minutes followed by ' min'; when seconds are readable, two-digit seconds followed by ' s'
11 h 24 min
